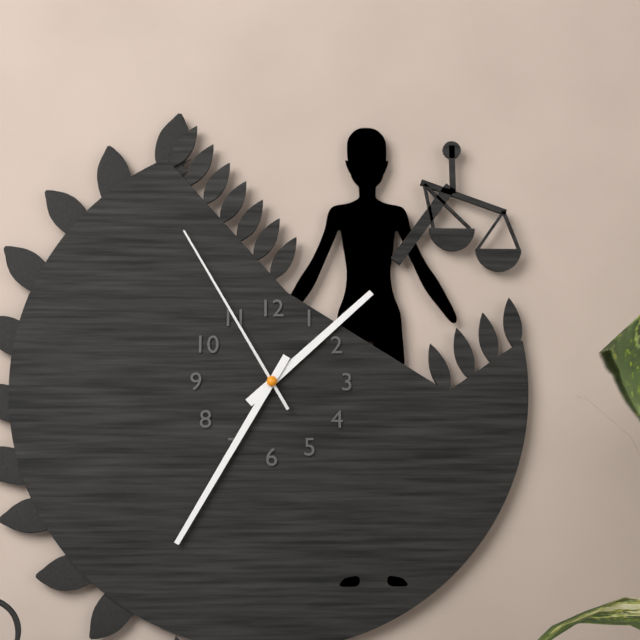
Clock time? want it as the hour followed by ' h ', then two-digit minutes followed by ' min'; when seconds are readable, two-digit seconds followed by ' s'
1 h 35 min 55 s
